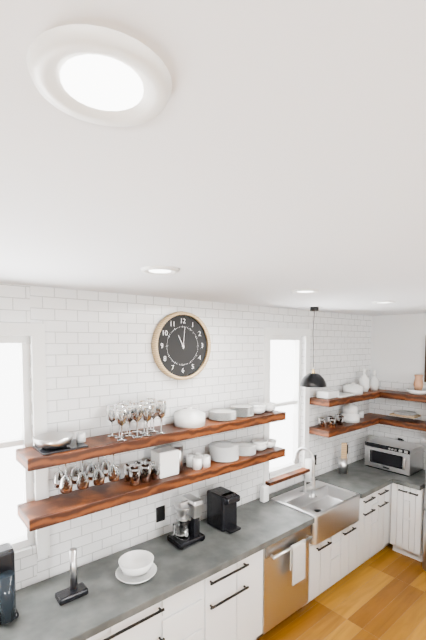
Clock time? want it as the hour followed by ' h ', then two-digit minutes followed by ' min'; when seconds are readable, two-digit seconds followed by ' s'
11 h 01 min
